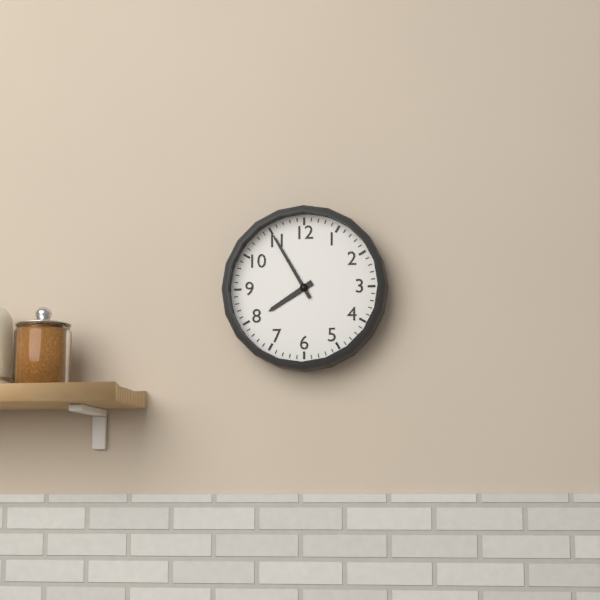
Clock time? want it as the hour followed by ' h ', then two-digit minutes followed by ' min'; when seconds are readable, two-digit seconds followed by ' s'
7 h 55 min
